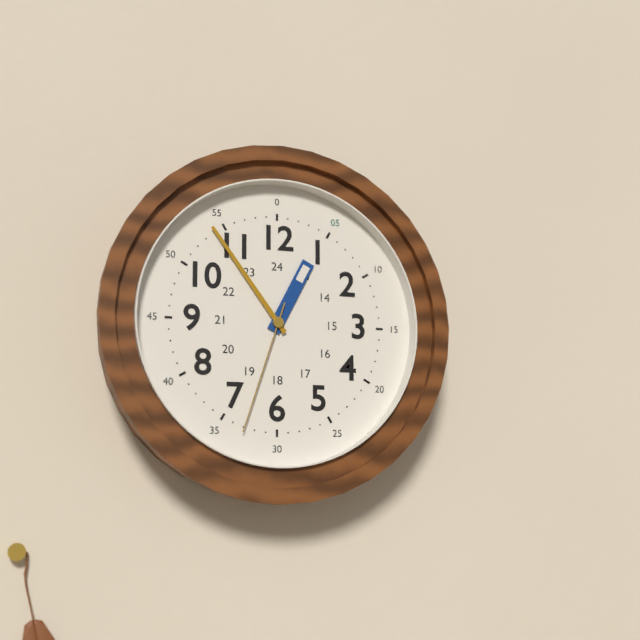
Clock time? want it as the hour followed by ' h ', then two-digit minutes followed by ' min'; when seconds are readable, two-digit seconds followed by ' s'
12 h 54 min 33 s
